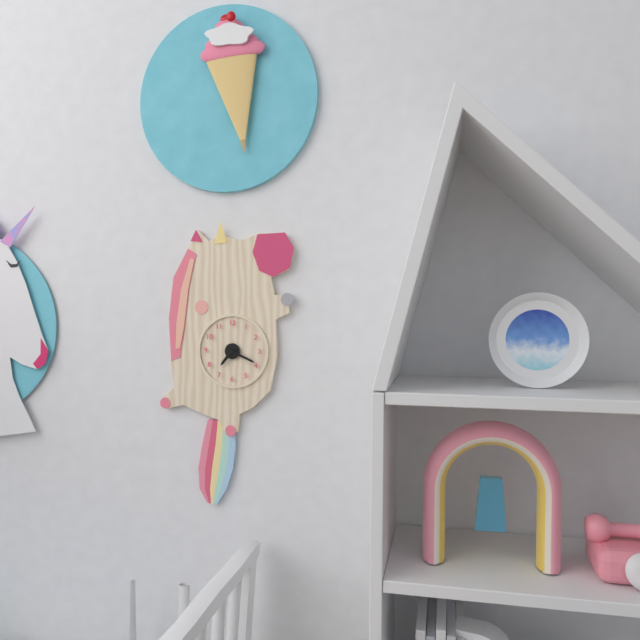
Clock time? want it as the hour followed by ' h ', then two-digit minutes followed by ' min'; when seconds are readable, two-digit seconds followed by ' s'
7 h 19 min
